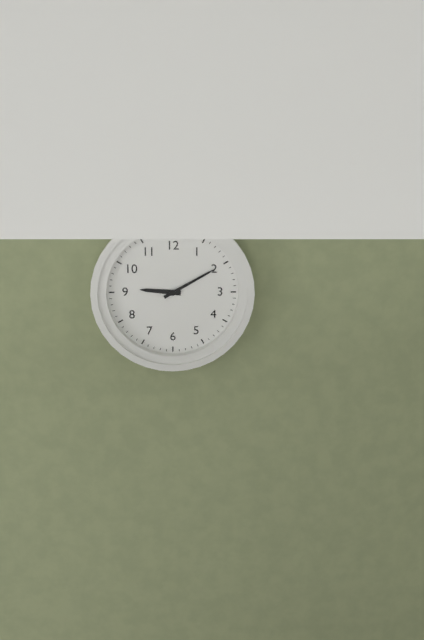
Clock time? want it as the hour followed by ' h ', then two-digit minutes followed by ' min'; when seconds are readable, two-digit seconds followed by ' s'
9 h 10 min
